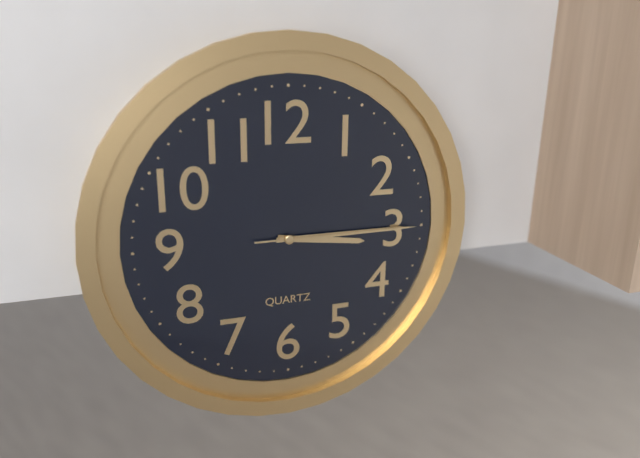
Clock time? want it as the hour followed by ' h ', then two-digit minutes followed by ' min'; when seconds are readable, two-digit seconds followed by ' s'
3 h 15 min 15 s
